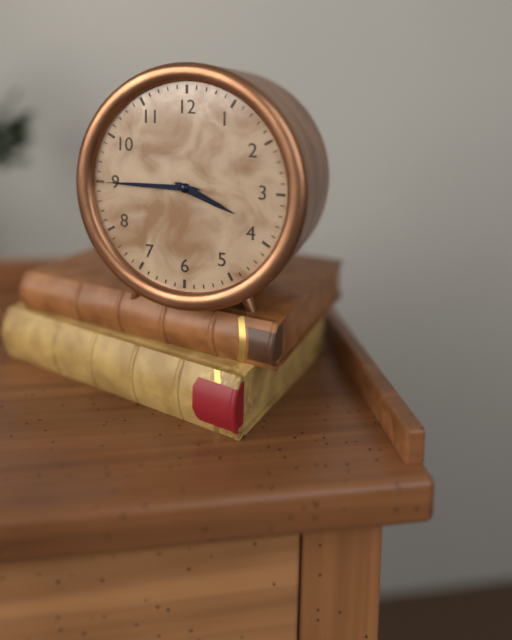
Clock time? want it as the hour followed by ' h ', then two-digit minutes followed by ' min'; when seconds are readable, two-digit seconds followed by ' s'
3 h 45 min
